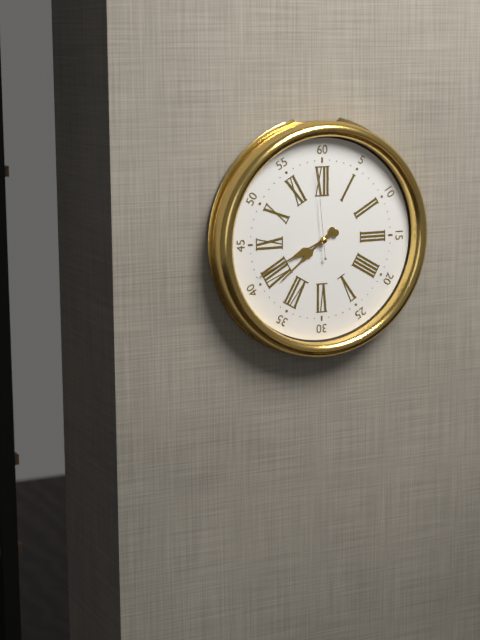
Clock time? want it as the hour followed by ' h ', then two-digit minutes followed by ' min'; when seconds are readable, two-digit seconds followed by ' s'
7 h 41 min 59 s
